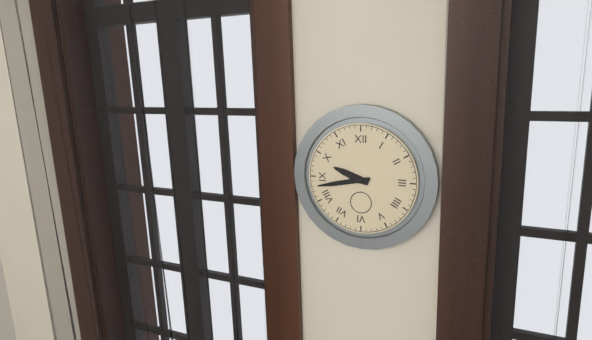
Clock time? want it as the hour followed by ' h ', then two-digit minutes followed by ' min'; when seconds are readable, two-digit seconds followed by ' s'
9 h 43 min
